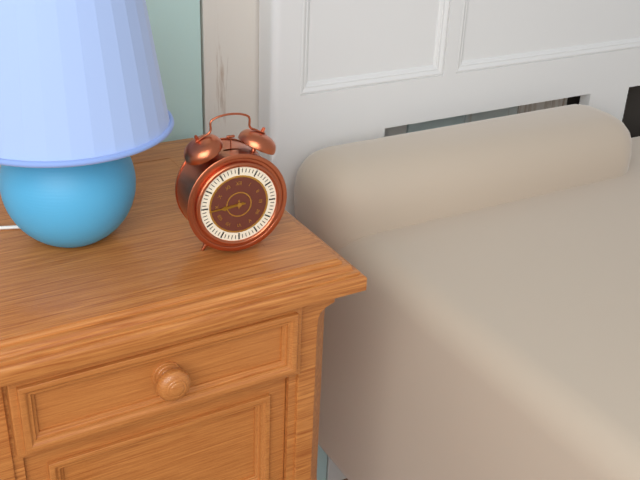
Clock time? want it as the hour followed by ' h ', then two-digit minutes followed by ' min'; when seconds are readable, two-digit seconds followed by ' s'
8 h 44 min
